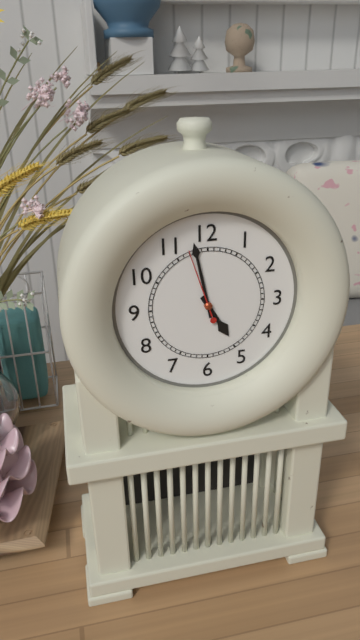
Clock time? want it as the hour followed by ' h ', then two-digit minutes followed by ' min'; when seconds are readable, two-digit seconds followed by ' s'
4 h 58 min 57 s
